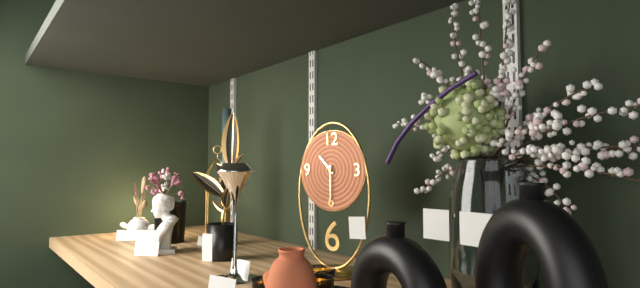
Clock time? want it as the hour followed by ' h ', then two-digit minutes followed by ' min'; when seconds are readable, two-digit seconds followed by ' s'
10 h 30 min
